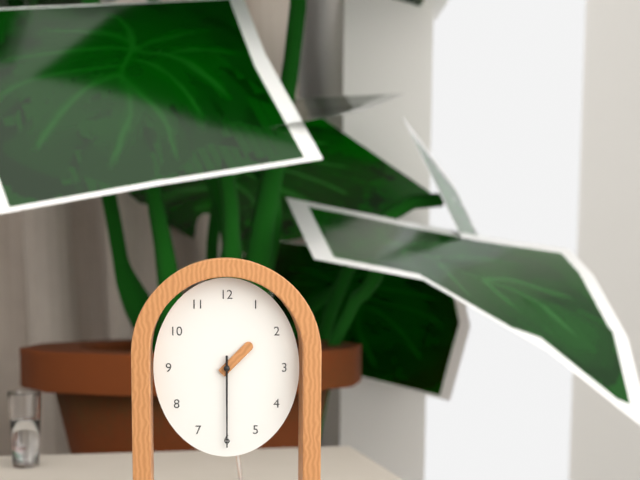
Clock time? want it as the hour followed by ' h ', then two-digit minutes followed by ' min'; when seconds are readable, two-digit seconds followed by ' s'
1 h 30 min
